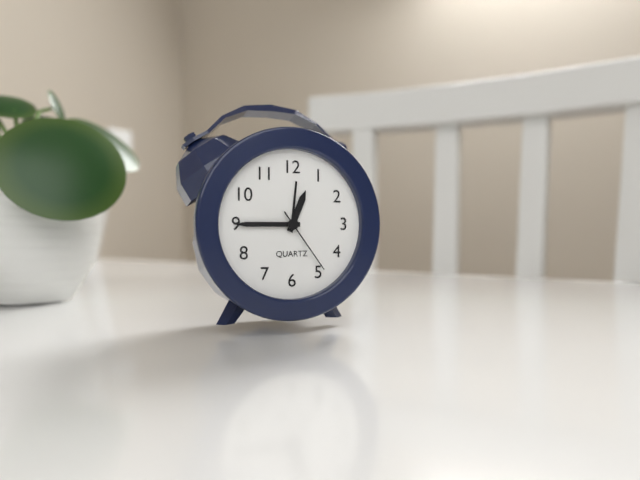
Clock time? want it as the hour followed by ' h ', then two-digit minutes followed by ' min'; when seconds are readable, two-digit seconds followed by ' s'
12 h 45 min 24 s
